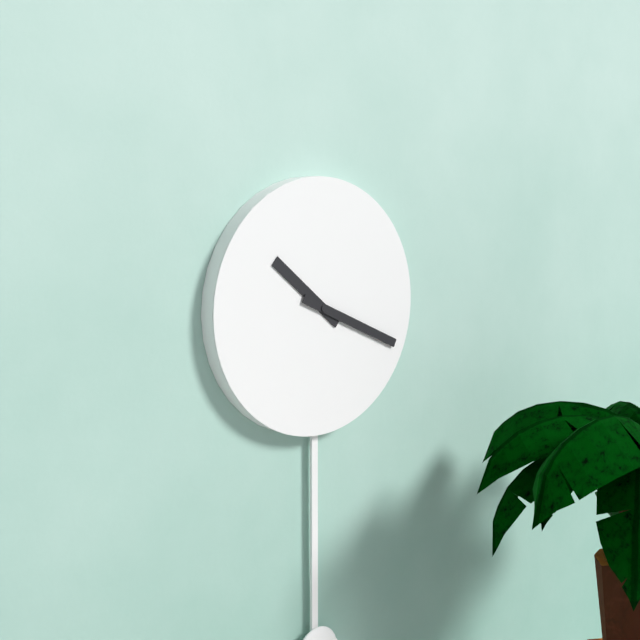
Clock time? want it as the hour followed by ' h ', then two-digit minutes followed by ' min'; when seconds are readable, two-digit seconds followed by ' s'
10 h 19 min
